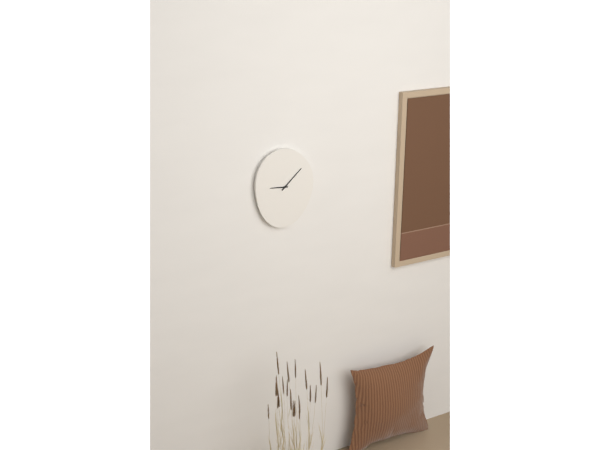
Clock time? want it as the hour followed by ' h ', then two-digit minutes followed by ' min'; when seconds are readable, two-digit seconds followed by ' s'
9 h 08 min
